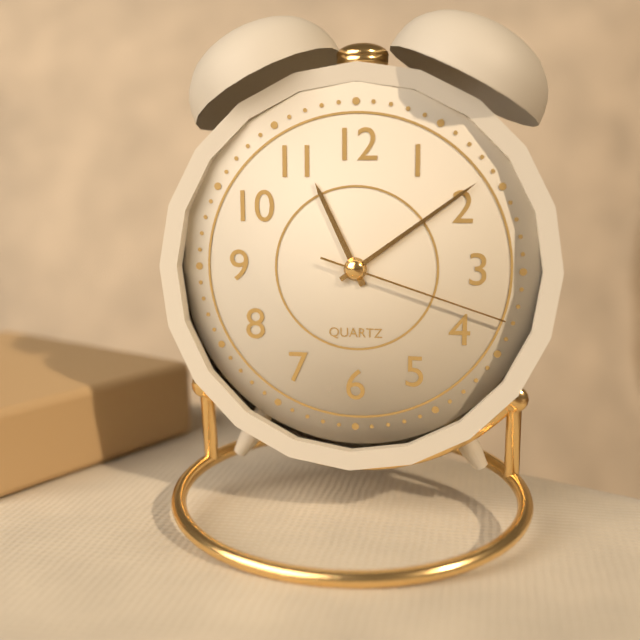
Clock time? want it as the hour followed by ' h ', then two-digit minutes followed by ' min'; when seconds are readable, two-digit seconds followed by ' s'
11 h 09 min 18 s
